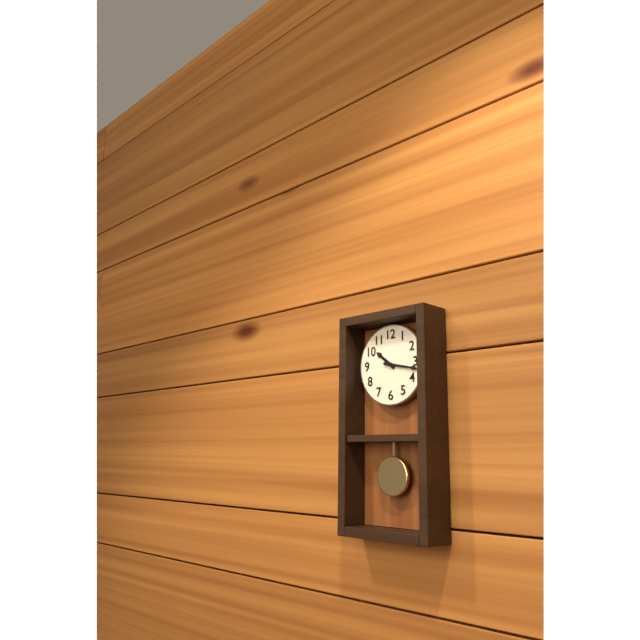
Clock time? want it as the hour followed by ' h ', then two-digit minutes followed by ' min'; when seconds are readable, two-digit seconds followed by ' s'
10 h 17 min
